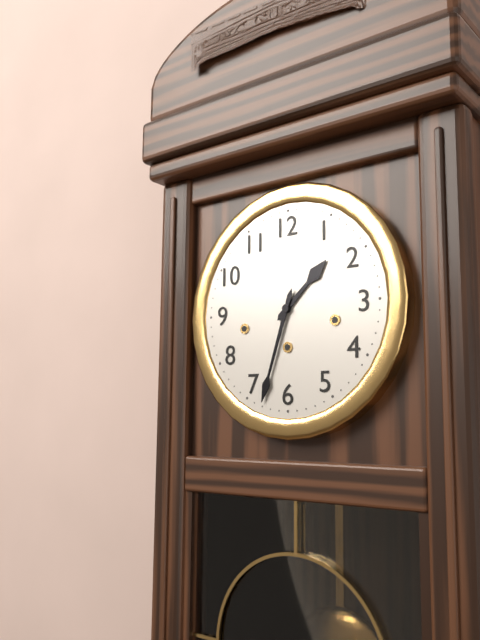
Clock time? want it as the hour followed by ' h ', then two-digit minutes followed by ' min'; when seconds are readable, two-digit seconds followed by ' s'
1 h 33 min
